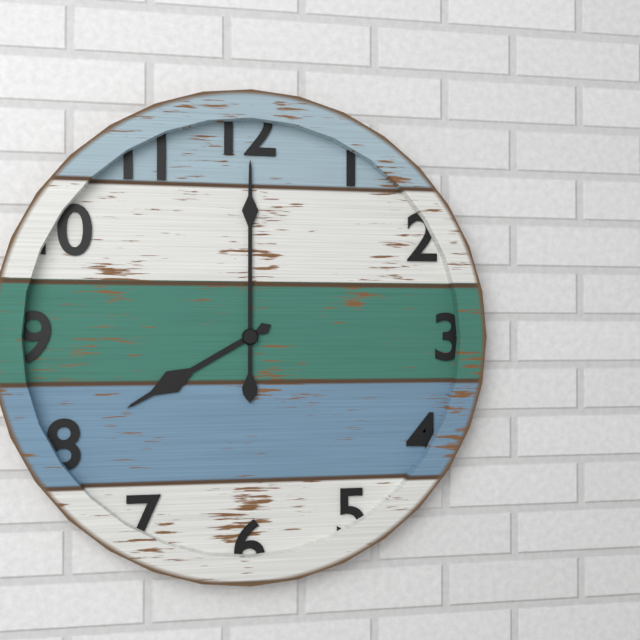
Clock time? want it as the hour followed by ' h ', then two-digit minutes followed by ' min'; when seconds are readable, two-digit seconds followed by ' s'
8 h 00 min
